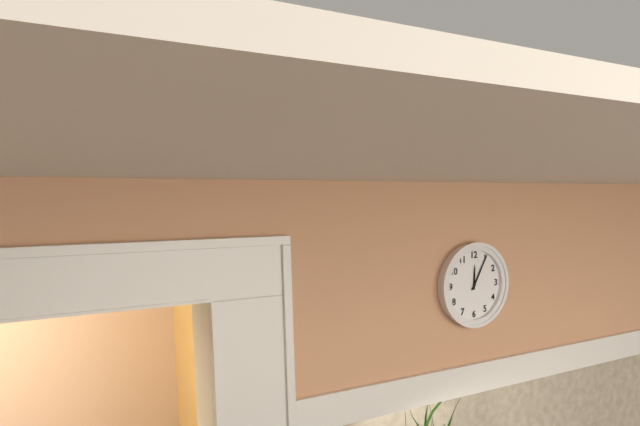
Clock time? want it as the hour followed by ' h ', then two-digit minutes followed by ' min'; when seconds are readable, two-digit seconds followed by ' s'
12 h 05 min
